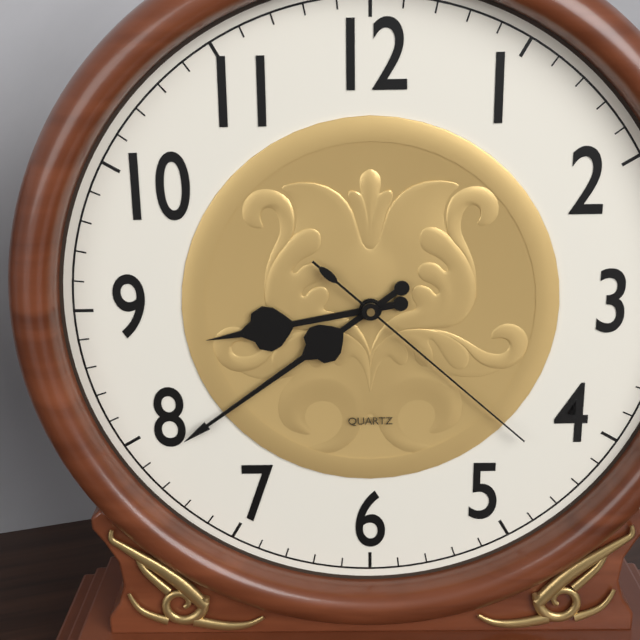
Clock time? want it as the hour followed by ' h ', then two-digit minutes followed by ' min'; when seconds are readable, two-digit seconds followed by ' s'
8 h 39 min 22 s
